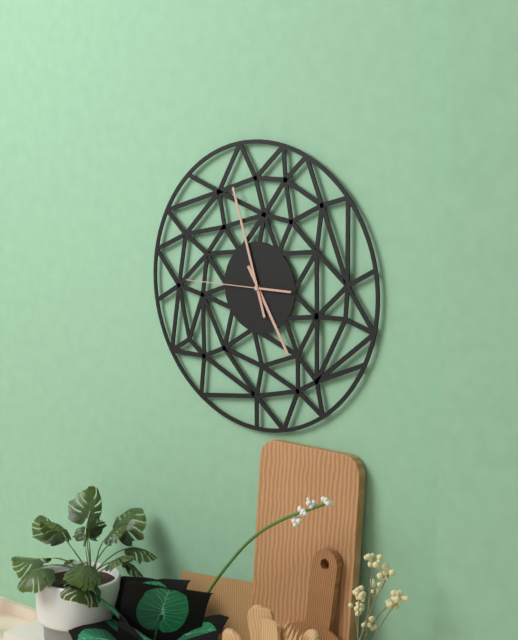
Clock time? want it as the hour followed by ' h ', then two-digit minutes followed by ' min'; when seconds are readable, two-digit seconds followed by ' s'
4 h 57 min 45 s
